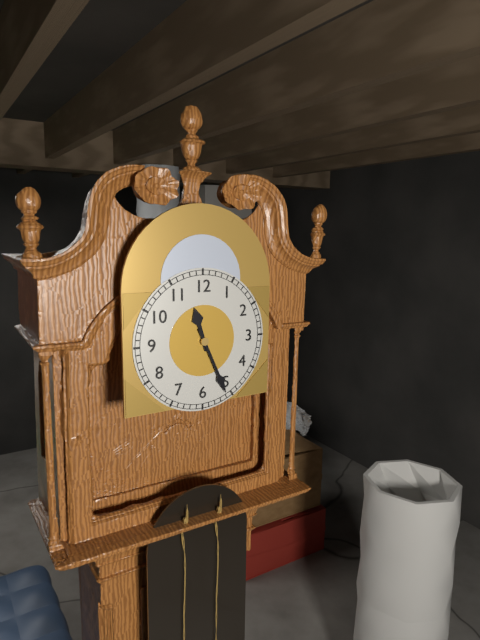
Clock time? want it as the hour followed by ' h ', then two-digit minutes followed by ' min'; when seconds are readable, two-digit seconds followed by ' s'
11 h 26 min
